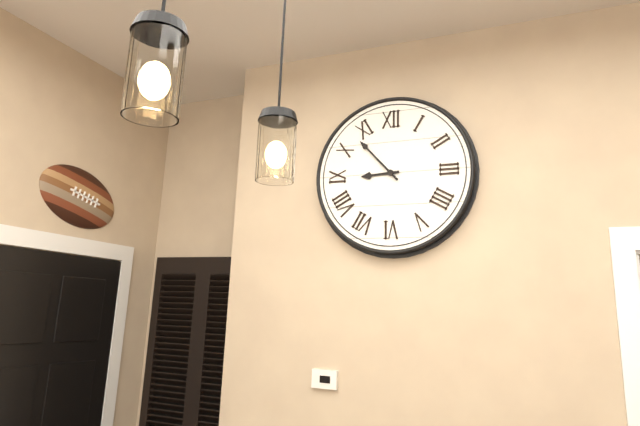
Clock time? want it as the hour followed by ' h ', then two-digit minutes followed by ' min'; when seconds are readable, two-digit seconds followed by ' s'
8 h 53 min
